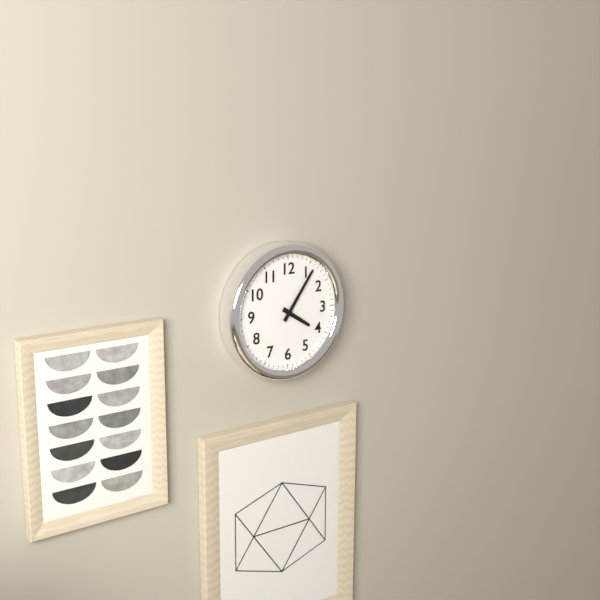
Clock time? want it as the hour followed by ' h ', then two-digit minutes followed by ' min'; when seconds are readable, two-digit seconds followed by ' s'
4 h 06 min
